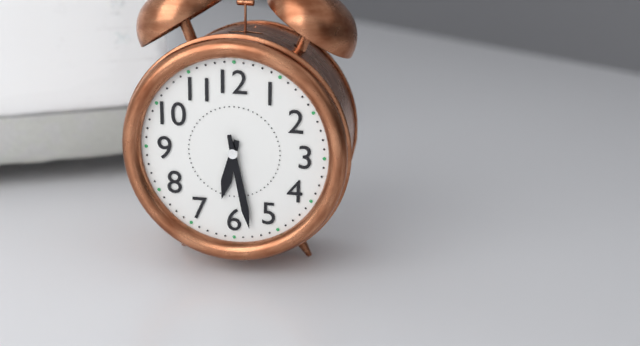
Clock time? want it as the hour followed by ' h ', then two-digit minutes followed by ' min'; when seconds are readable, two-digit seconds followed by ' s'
6 h 28 min
